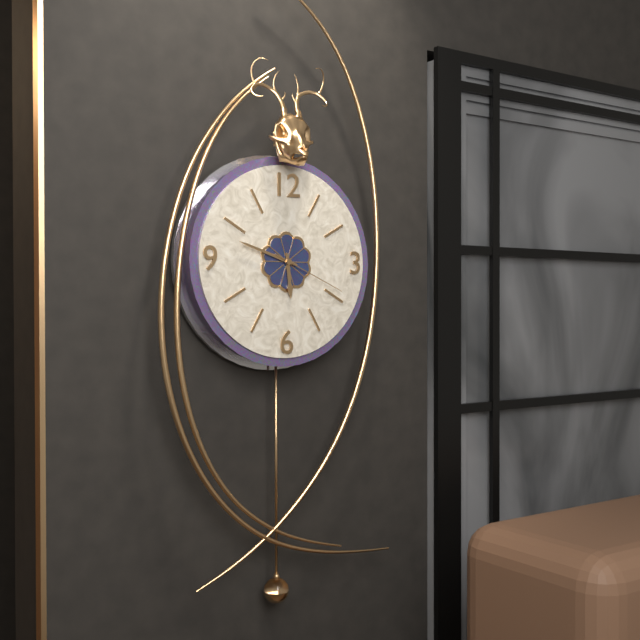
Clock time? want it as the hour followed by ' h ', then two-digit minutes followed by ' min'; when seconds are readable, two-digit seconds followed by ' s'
5 h 48 min 19 s
